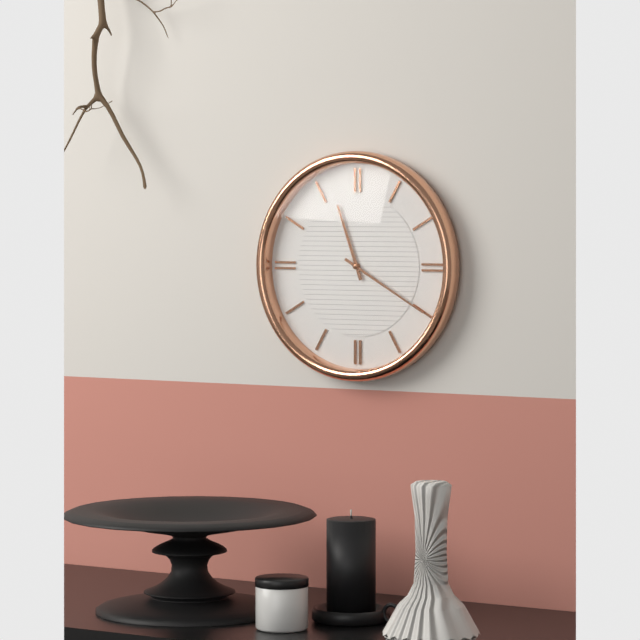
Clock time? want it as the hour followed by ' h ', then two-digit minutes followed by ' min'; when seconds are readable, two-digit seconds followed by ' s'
11 h 20 min
